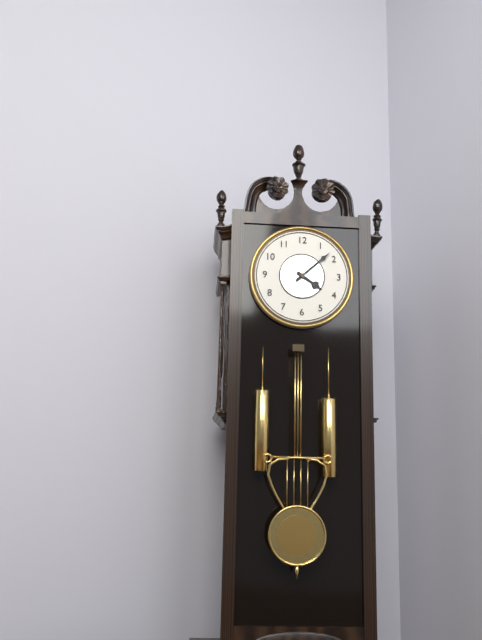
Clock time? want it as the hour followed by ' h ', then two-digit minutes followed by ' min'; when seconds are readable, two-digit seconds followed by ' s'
4 h 08 min
